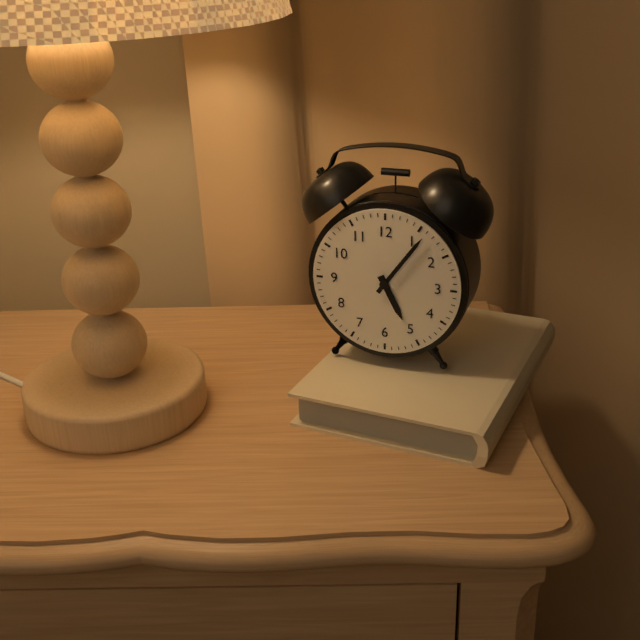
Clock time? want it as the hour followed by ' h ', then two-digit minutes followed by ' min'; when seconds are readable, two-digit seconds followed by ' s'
5 h 06 min
